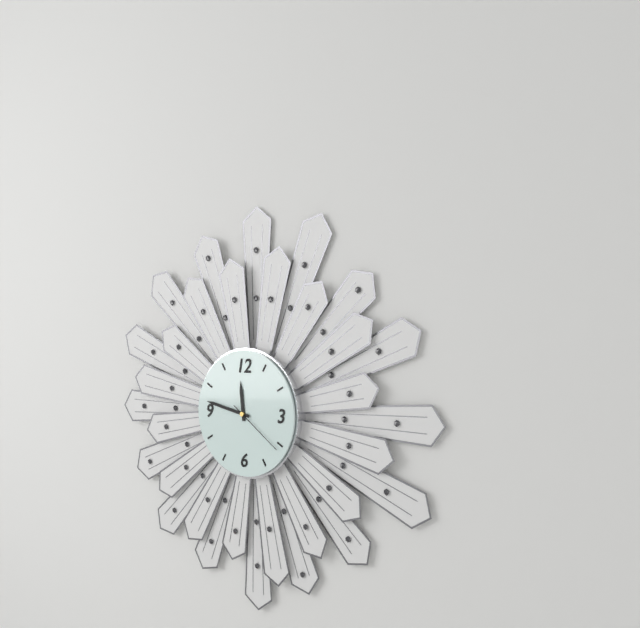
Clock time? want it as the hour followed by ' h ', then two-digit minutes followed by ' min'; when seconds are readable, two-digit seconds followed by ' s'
11 h 47 min 21 s
